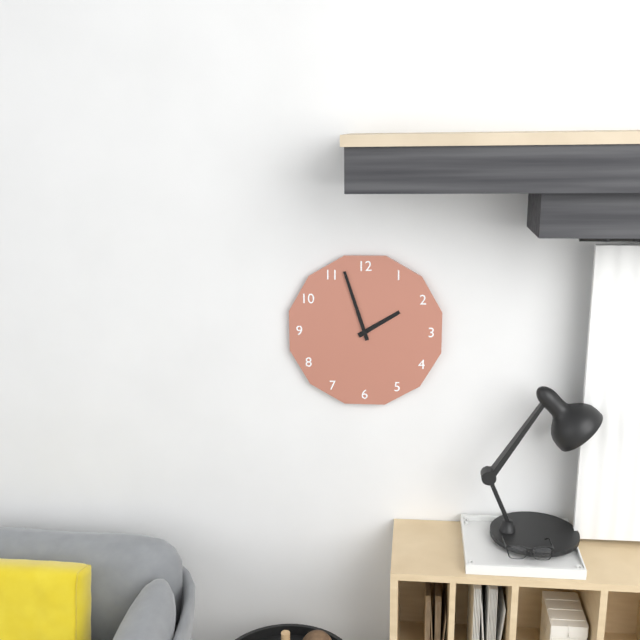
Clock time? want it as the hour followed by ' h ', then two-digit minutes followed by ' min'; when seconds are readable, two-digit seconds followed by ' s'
1 h 57 min
